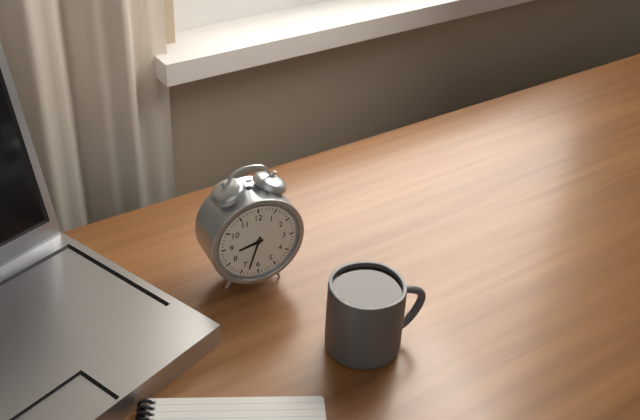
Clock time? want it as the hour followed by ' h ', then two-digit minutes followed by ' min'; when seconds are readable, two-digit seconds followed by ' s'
8 h 33 min
